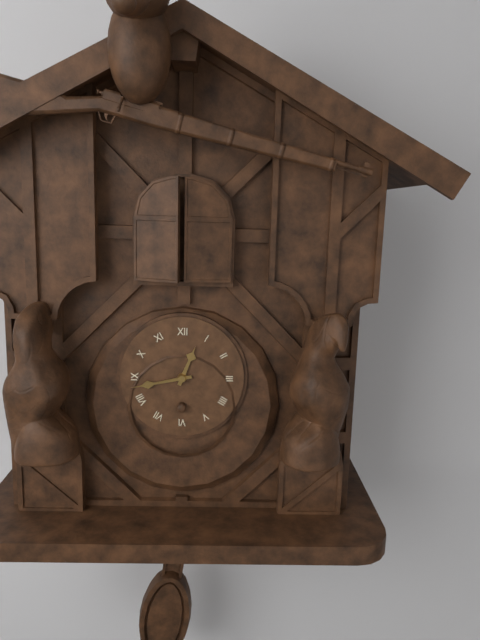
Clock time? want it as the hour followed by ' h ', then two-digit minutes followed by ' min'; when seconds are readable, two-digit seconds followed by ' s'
12 h 43 min
